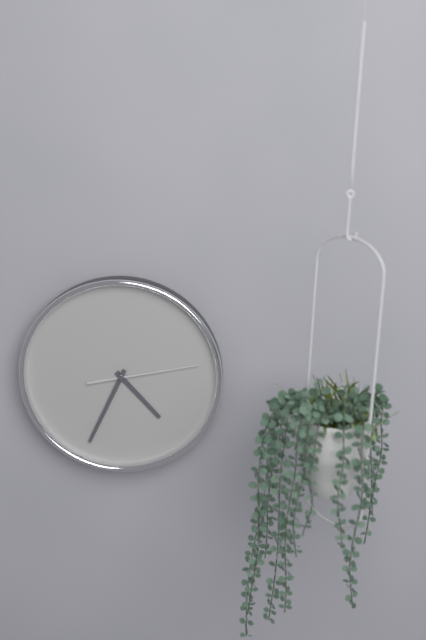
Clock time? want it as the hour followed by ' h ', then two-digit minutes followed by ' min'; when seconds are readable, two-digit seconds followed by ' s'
4 h 34 min 13 s
